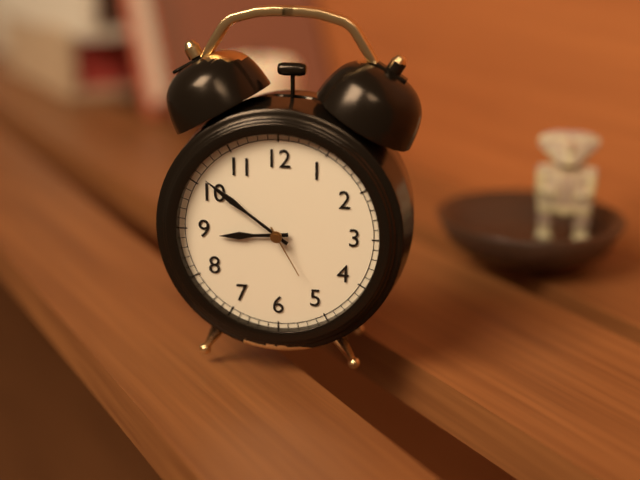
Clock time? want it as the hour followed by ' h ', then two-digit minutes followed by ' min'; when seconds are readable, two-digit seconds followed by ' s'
8 h 51 min 25 s
